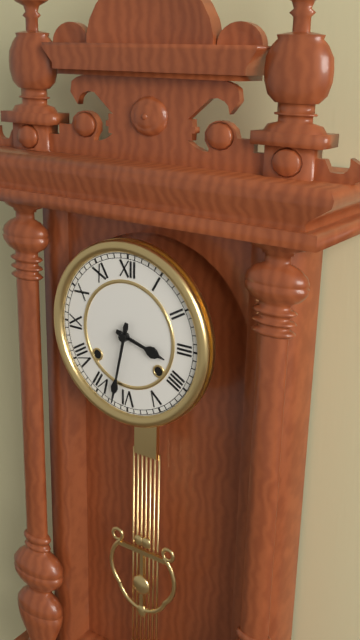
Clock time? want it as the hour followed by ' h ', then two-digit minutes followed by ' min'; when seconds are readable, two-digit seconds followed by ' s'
3 h 32 min
